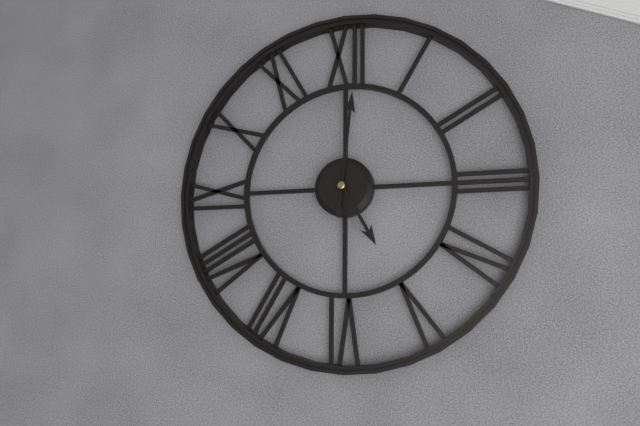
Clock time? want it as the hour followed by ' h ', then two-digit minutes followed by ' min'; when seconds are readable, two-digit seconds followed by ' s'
5 h 01 min
